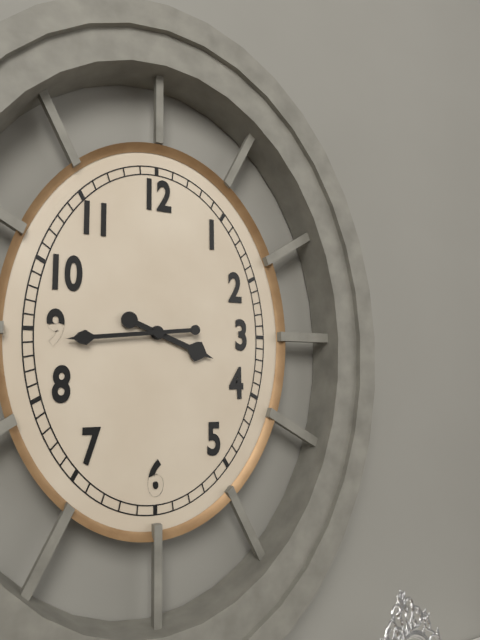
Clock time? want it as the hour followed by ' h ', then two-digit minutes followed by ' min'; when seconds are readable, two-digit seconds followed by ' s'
3 h 44 min
